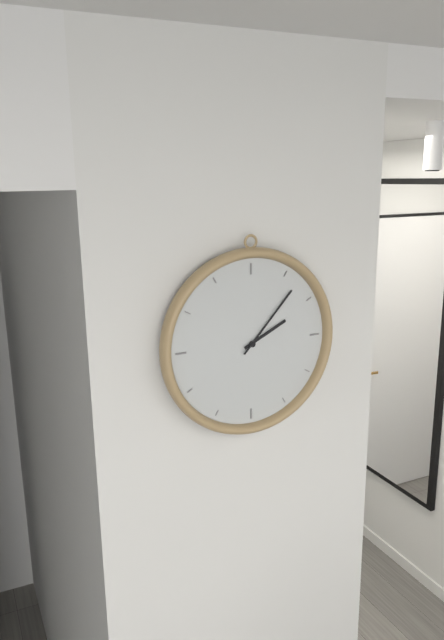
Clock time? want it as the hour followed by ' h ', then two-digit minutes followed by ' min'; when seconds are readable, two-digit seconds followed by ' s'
2 h 07 min
